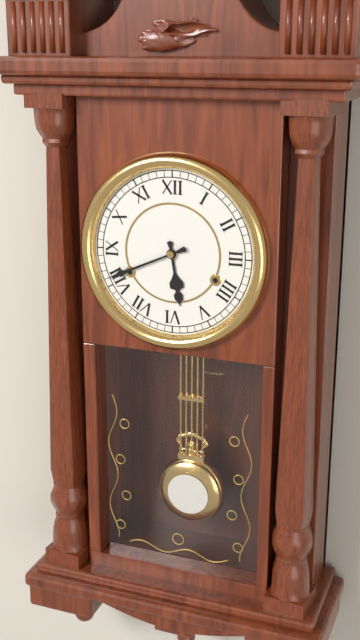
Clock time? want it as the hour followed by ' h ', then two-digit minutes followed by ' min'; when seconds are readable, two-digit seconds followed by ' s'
5 h 41 min
